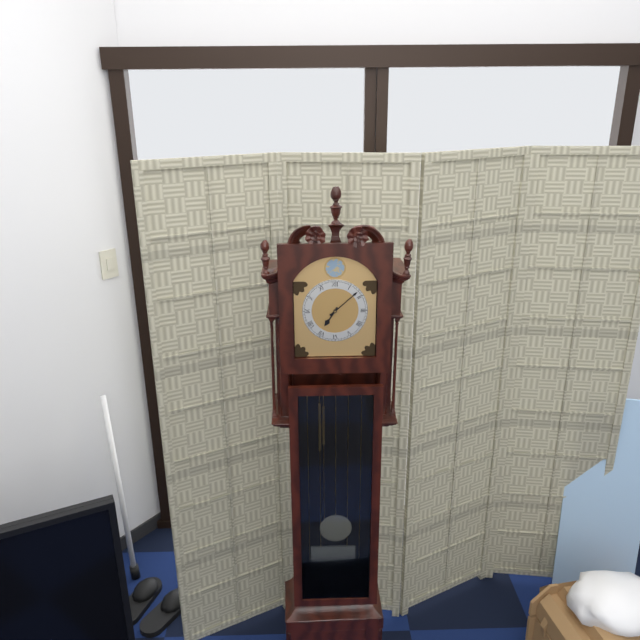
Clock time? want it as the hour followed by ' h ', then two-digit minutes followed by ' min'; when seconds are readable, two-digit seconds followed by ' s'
7 h 08 min
